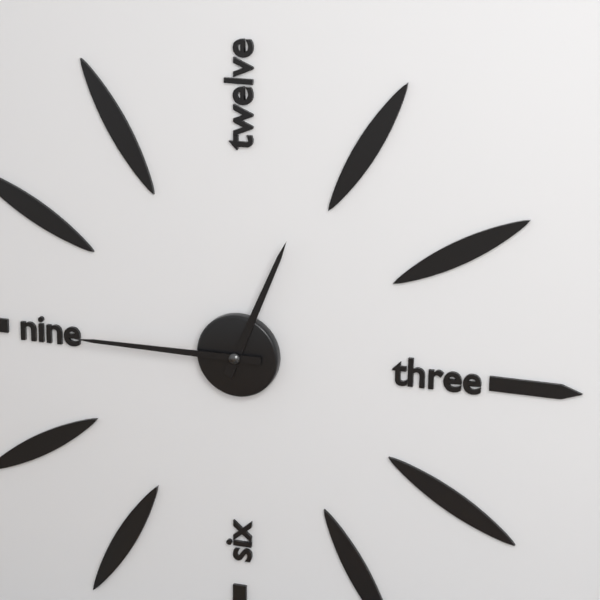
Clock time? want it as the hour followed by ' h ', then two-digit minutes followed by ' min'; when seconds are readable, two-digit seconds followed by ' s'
12 h 45 min
